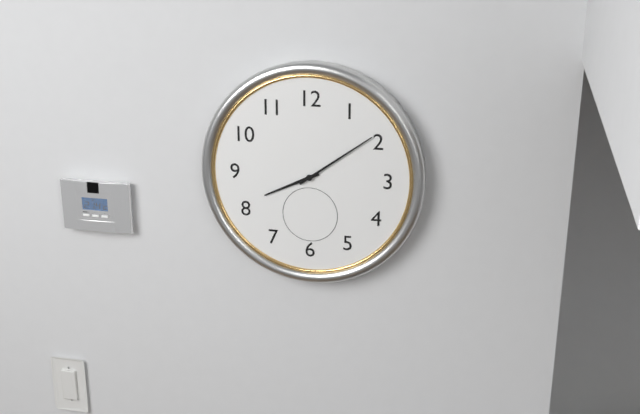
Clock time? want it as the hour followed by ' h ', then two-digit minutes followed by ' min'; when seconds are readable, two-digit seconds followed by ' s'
8 h 09 min
